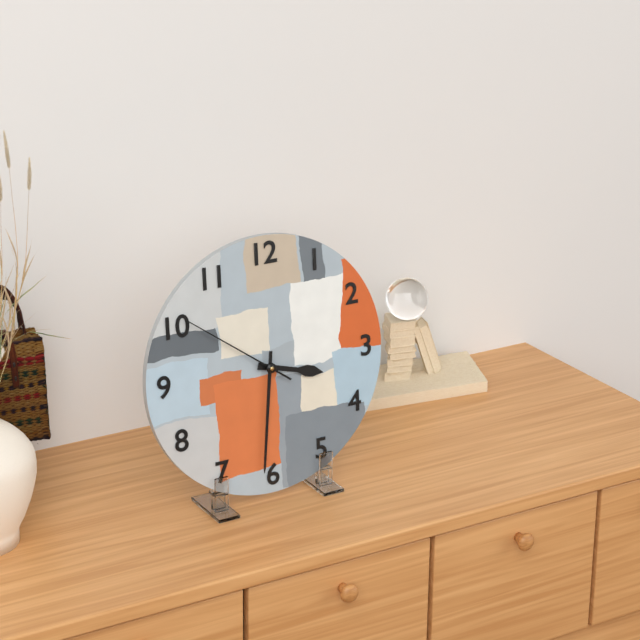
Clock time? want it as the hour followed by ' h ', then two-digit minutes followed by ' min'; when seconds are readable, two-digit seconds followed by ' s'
3 h 31 min 51 s
